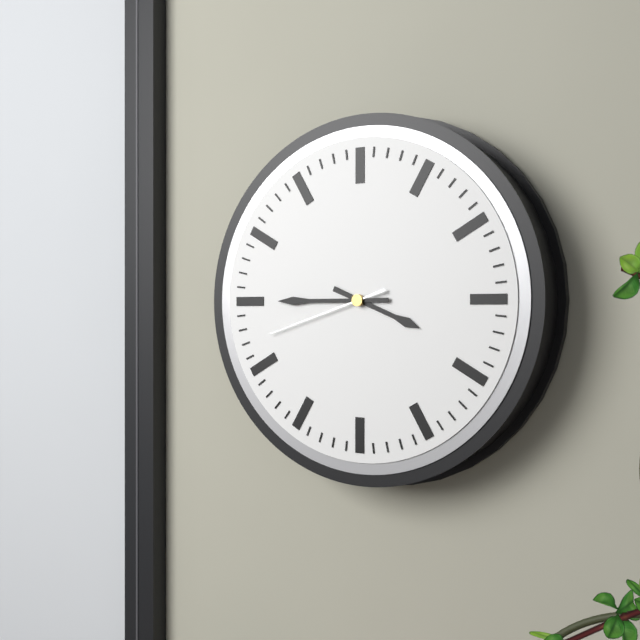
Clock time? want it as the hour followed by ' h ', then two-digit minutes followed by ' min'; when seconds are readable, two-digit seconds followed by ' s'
3 h 45 min 42 s
